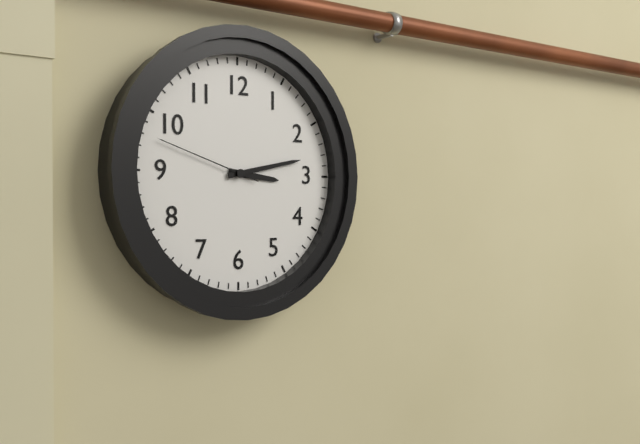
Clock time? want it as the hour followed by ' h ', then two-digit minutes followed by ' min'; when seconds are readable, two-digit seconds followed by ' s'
3 h 13 min 48 s
